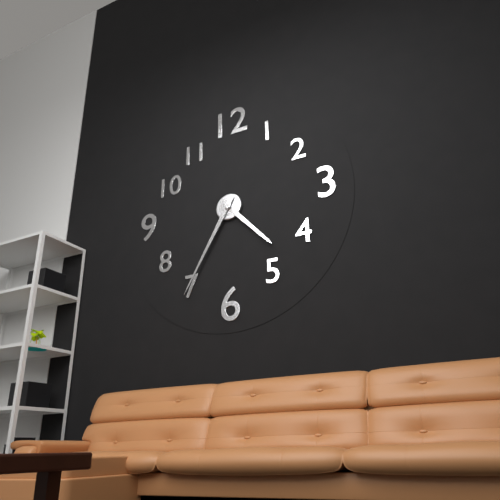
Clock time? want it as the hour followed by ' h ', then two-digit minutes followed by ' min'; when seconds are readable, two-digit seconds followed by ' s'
4 h 35 min
